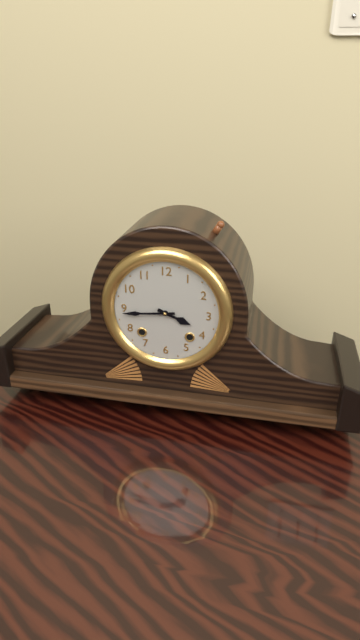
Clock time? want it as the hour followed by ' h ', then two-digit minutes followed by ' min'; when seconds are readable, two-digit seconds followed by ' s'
3 h 44 min
